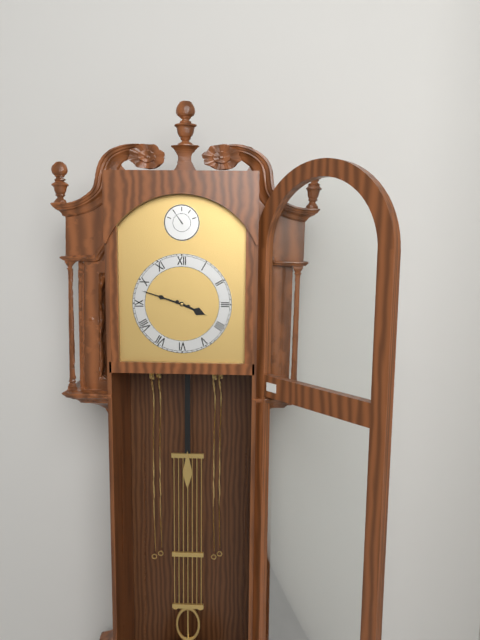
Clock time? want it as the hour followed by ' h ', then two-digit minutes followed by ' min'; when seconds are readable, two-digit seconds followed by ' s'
3 h 48 min
